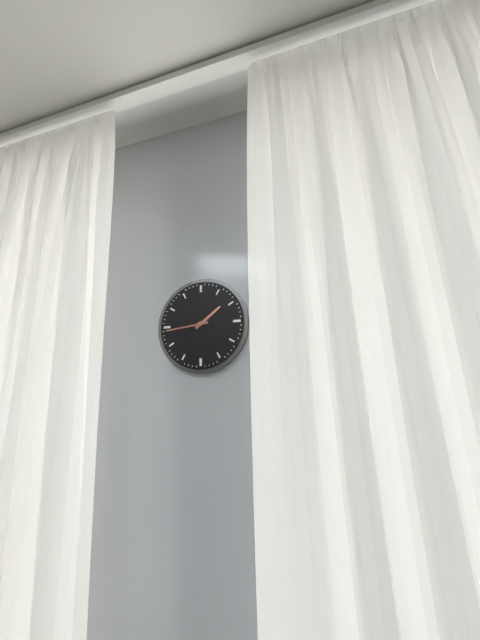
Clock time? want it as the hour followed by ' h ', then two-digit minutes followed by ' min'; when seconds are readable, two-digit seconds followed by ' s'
1 h 44 min
